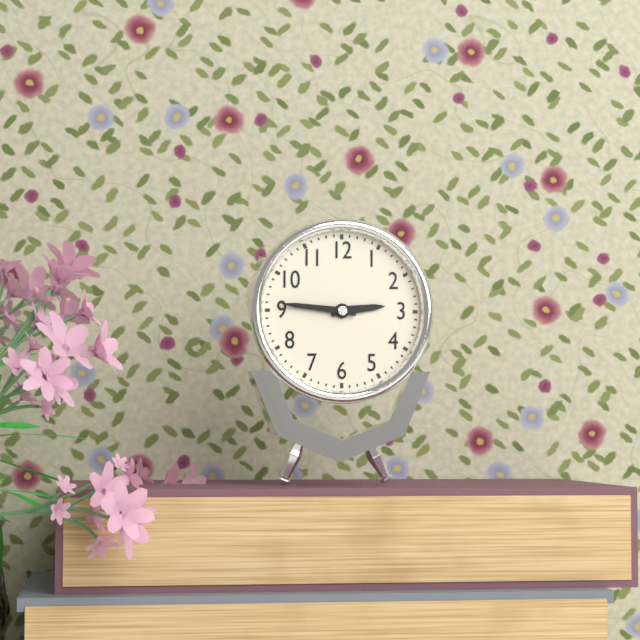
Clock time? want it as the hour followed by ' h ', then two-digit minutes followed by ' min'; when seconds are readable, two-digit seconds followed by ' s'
2 h 46 min
